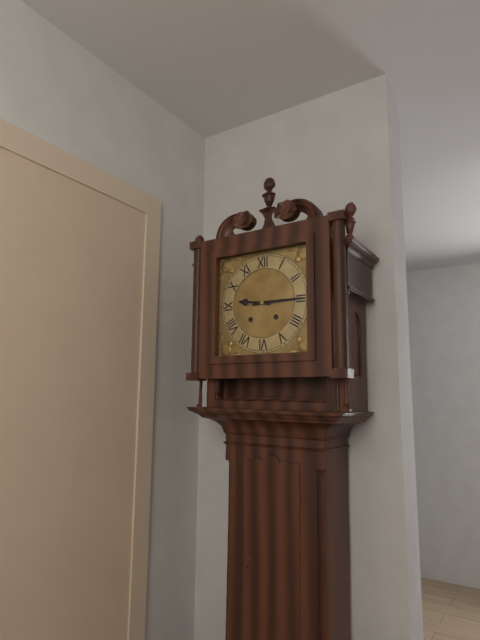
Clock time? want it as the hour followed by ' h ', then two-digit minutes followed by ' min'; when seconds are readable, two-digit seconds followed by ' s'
9 h 15 min
